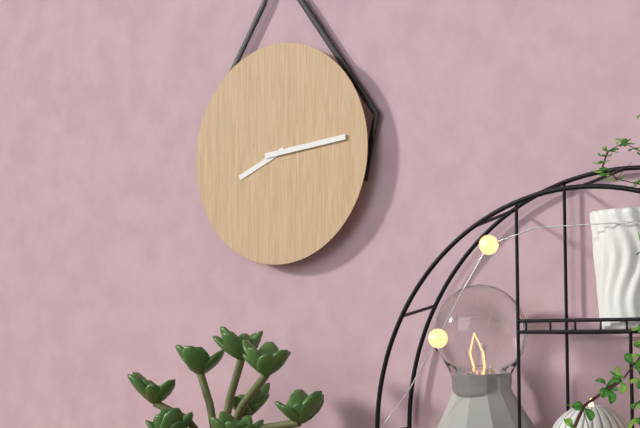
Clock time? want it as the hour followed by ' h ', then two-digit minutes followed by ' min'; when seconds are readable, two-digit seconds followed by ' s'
8 h 14 min
